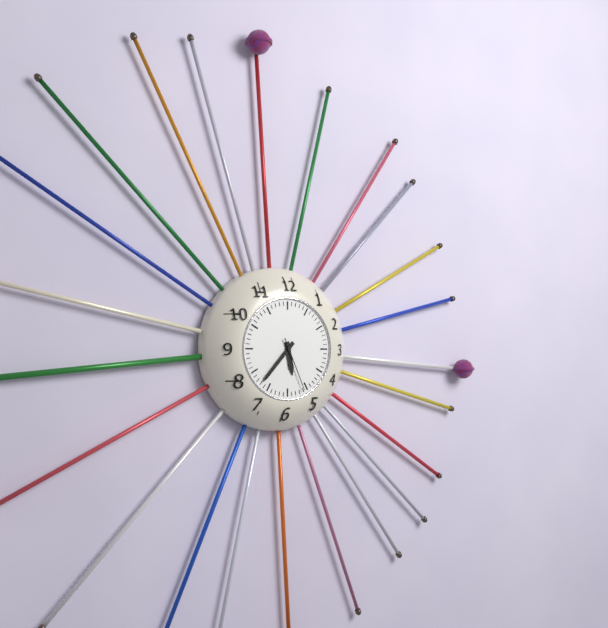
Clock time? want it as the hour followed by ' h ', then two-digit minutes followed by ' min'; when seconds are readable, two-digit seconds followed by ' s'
5 h 37 min 26 s
